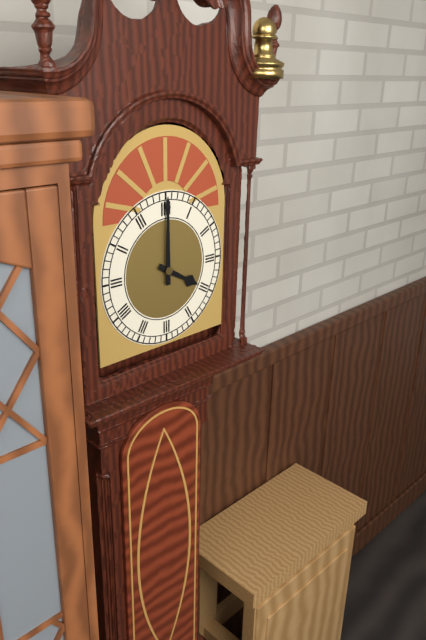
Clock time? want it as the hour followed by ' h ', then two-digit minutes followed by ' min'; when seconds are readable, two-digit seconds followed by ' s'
4 h 00 min
